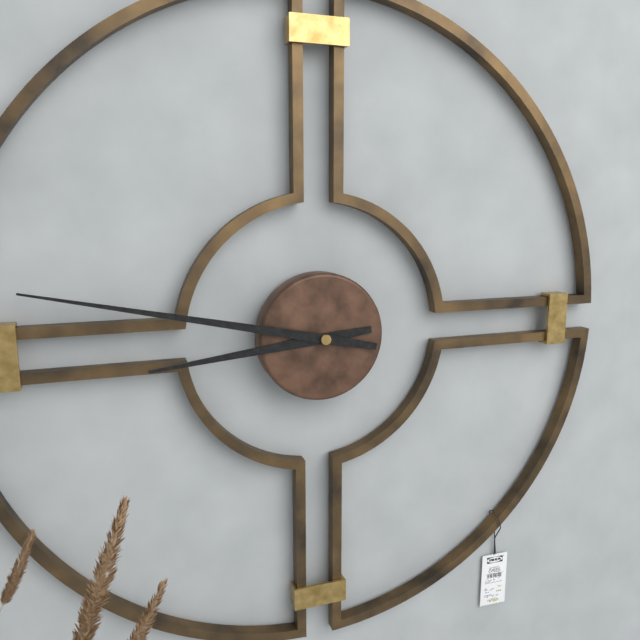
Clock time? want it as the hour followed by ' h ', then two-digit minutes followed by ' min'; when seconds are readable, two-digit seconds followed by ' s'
8 h 47 min
